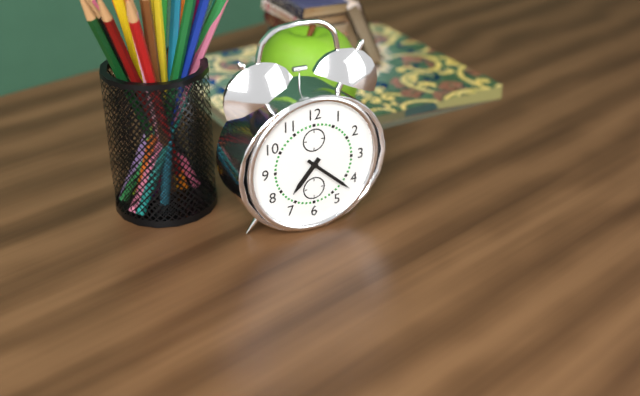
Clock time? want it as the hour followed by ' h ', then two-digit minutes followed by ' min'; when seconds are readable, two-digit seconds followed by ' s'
7 h 22 min
